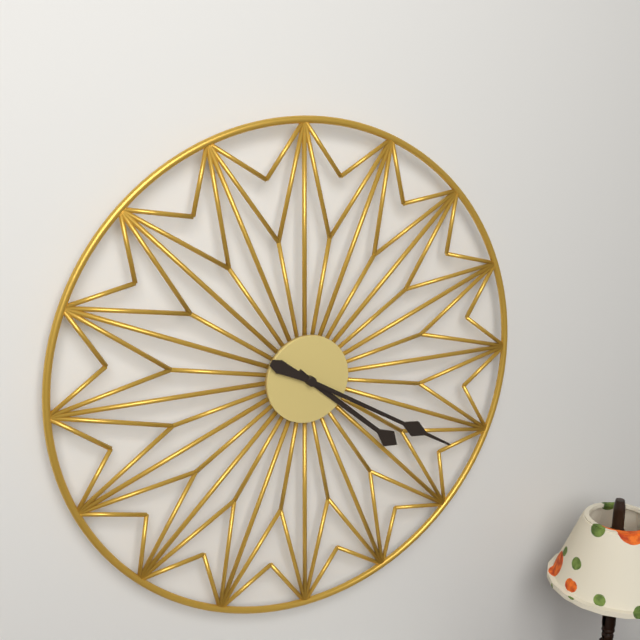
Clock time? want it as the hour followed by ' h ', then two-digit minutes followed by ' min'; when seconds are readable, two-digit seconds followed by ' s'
4 h 20 min
